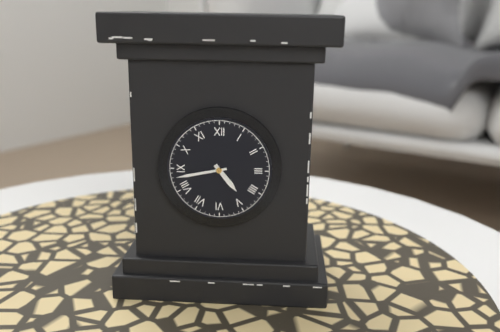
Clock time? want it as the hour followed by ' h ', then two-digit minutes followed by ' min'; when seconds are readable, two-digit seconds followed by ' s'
4 h 43 min
